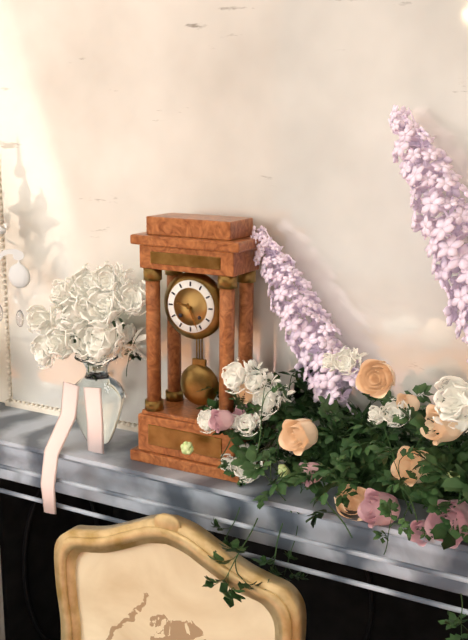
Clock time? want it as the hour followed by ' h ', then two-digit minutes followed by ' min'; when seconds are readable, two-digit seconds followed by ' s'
9 h 26 min
